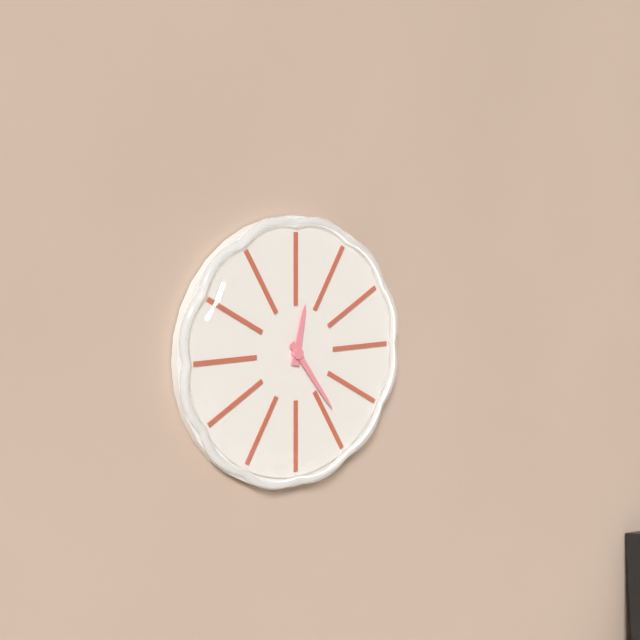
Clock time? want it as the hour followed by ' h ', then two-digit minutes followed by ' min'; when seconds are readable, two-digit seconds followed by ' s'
12 h 24 min
